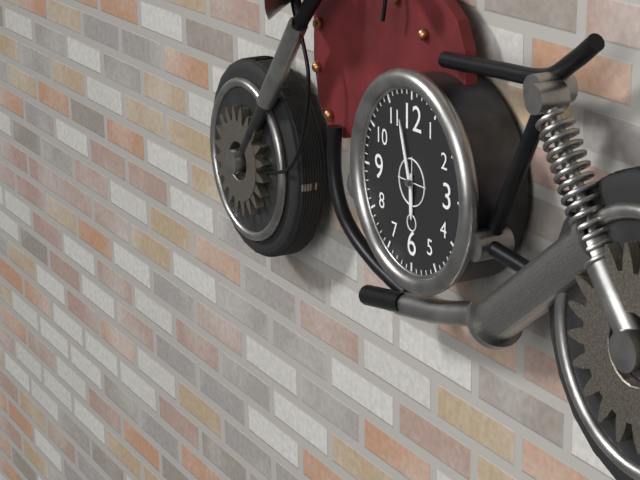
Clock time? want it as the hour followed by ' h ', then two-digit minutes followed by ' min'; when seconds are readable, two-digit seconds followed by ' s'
5 h 57 min
